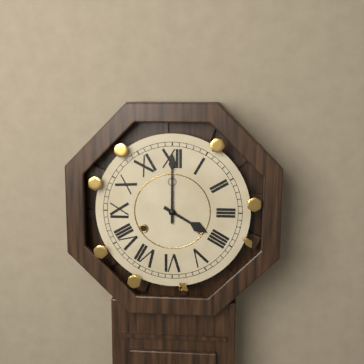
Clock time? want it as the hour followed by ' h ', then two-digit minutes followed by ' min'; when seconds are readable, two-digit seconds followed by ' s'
4 h 00 min
